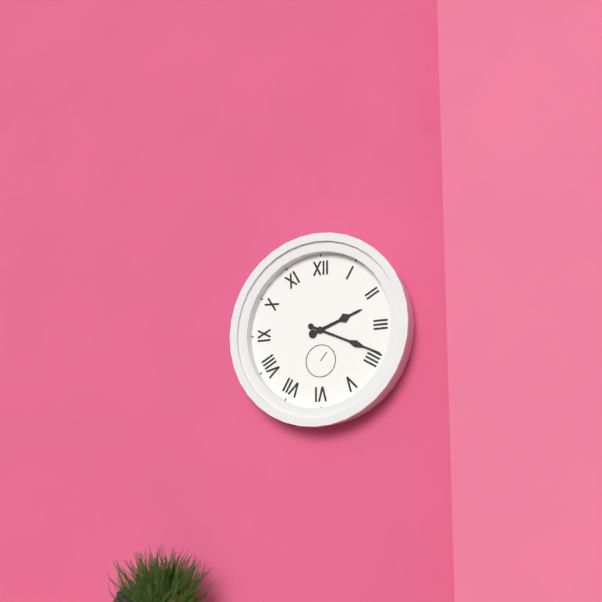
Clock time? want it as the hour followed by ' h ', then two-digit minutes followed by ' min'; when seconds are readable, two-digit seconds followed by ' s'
2 h 19 min
